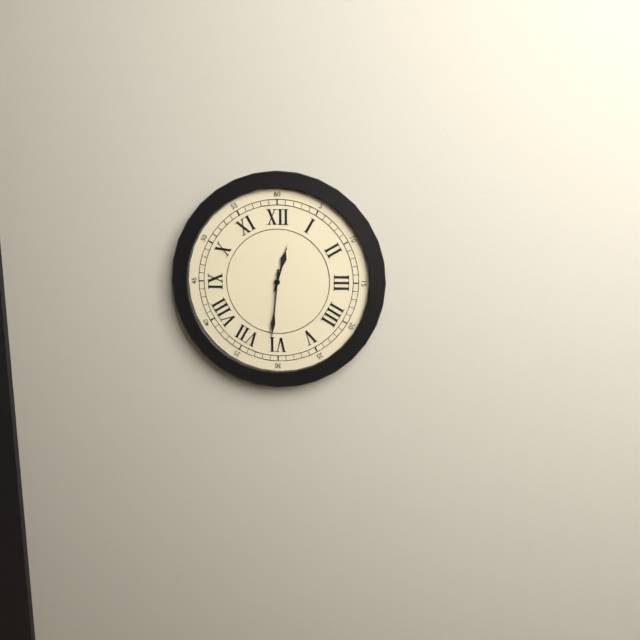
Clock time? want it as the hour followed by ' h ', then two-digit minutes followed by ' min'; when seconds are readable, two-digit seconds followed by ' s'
12 h 31 min
